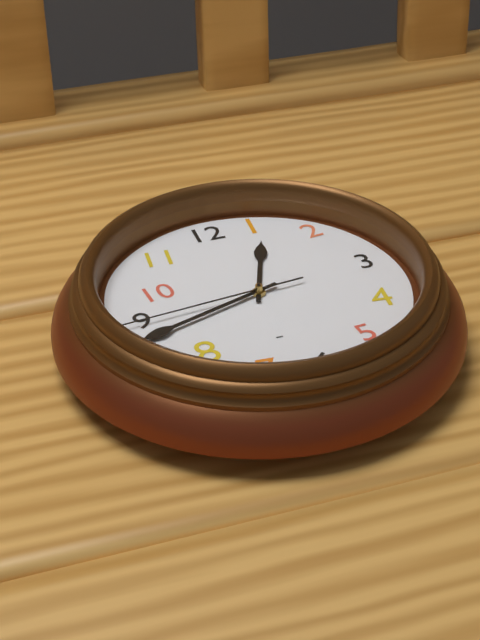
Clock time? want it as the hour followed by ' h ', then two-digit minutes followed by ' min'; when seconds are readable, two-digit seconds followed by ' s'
12 h 42 min 44 s
